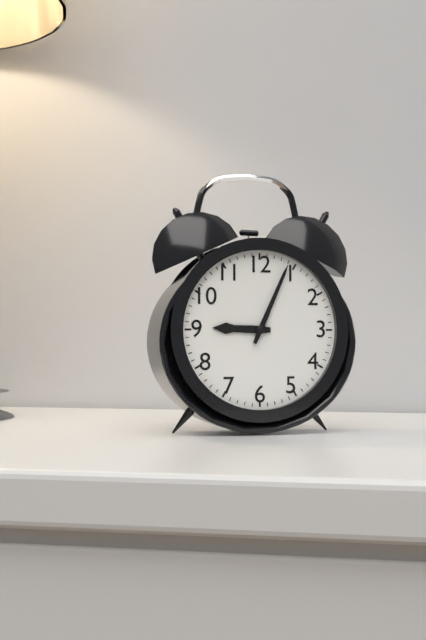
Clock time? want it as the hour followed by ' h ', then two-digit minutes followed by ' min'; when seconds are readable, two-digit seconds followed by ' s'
9 h 04 min
